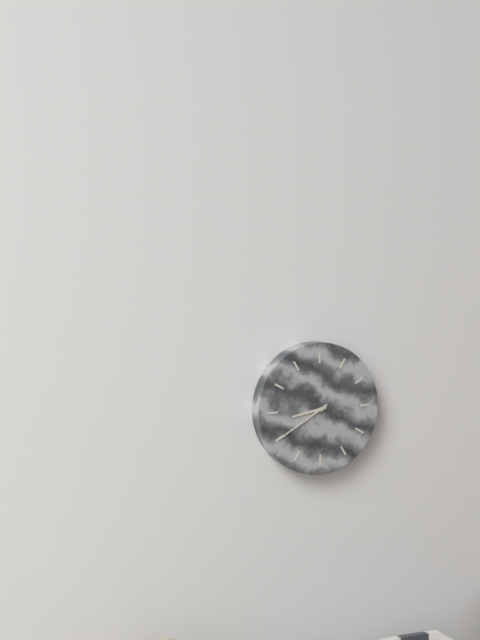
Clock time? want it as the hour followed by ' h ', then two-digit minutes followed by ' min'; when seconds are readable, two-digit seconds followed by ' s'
8 h 40 min
